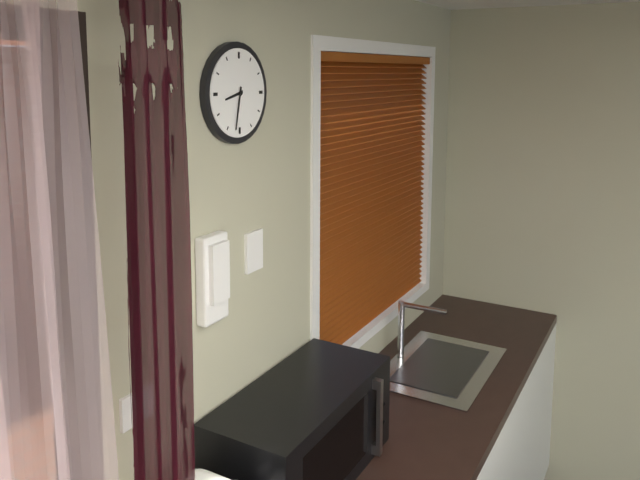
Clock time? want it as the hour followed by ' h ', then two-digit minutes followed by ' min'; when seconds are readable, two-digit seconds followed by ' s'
8 h 32 min
